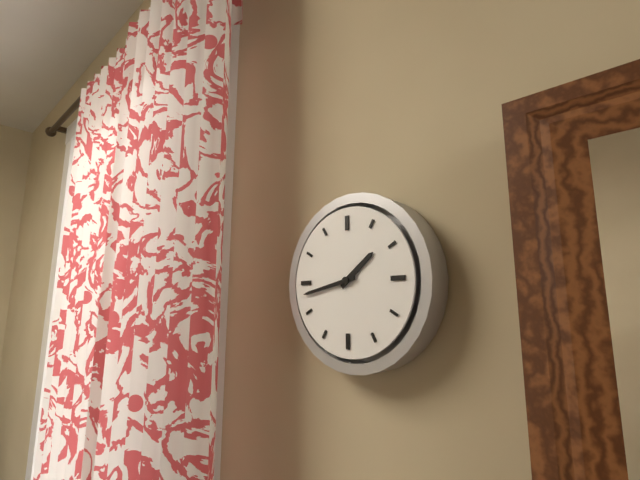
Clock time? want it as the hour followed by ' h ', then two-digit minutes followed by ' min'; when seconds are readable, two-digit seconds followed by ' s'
1 h 43 min
